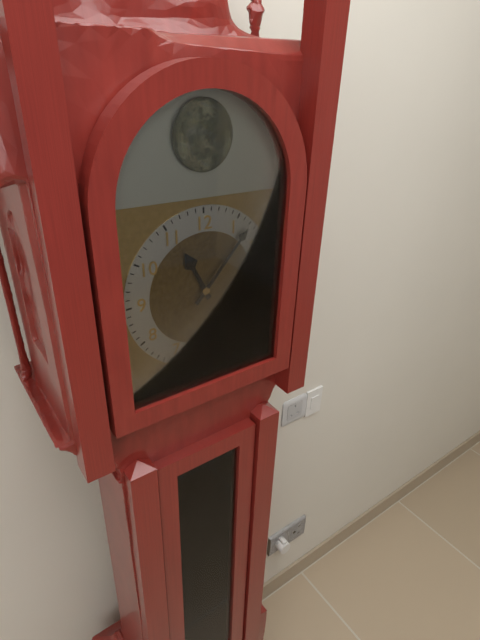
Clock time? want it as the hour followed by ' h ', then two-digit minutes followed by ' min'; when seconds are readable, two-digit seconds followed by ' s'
11 h 07 min
